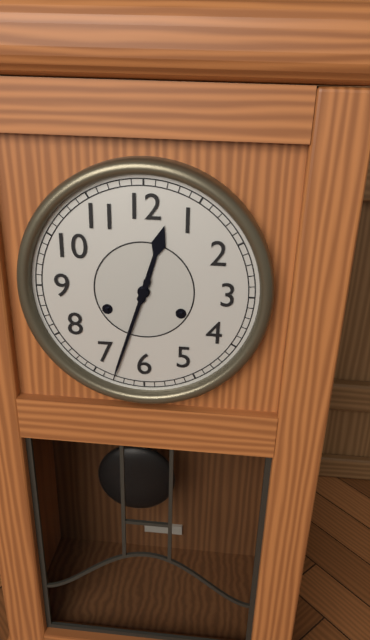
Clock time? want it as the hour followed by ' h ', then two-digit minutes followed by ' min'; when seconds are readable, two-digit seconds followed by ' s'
12 h 33 min
